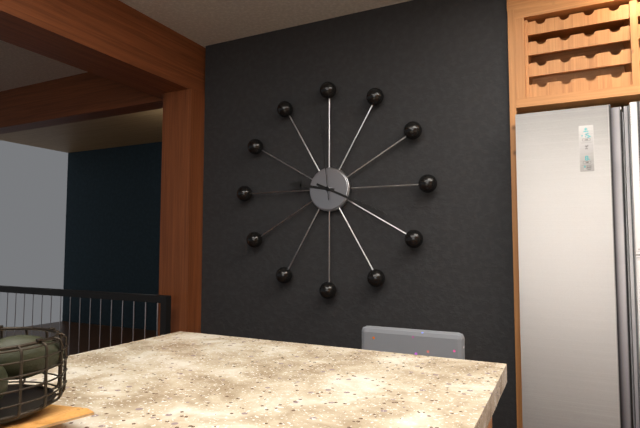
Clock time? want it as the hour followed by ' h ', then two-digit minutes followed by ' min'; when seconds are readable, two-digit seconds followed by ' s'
9 h 19 min 59 s
